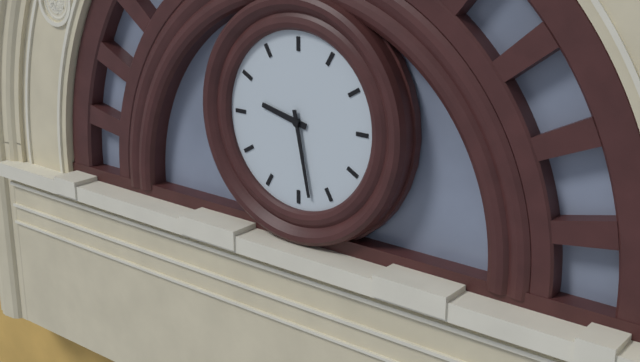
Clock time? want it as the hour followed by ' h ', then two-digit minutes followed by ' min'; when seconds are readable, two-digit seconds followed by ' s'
9 h 28 min
